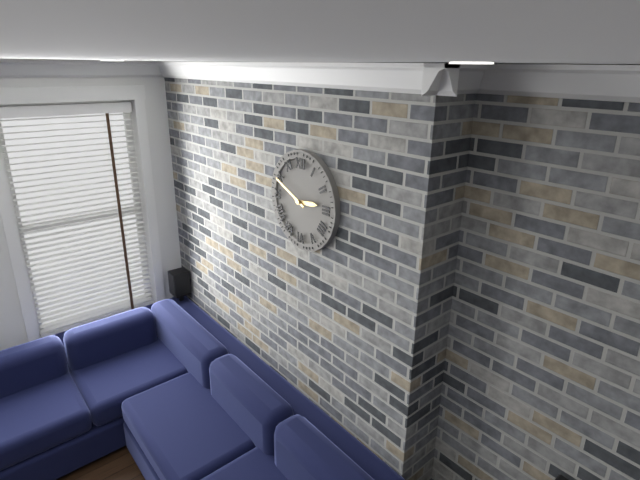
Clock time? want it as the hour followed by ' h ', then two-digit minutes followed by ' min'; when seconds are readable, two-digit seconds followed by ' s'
2 h 49 min
